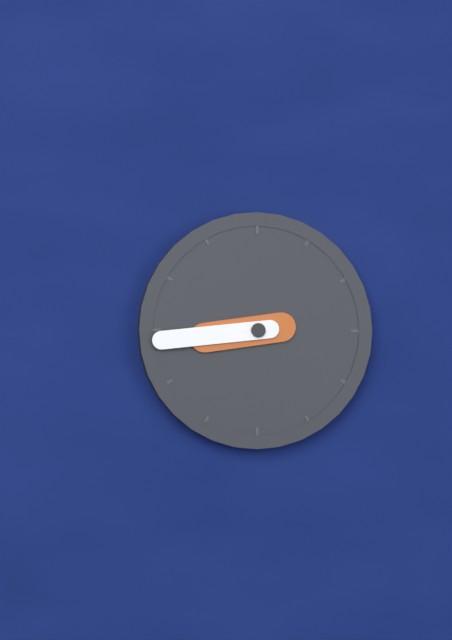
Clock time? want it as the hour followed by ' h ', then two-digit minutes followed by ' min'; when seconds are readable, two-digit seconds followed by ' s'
8 h 44 min
